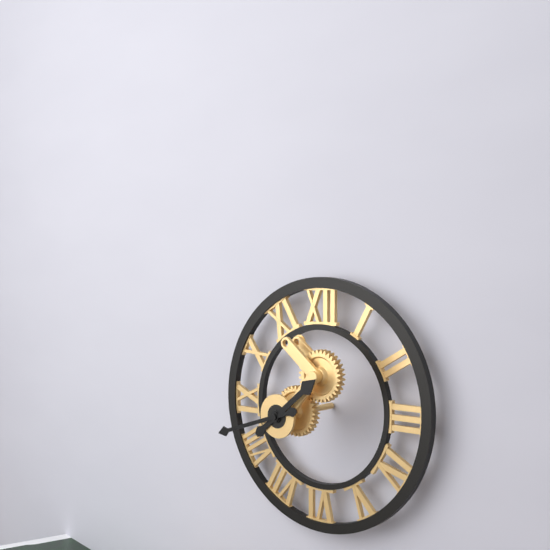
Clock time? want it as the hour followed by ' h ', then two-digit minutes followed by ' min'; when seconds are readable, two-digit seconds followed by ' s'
1 h 42 min
